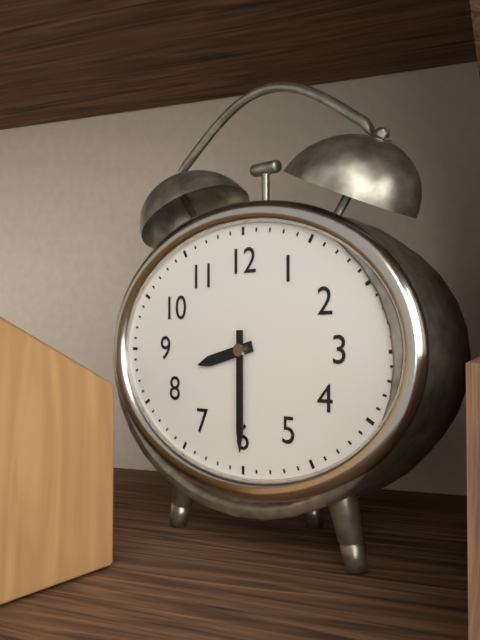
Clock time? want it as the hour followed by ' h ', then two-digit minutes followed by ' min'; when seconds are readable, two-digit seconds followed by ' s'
8 h 30 min
